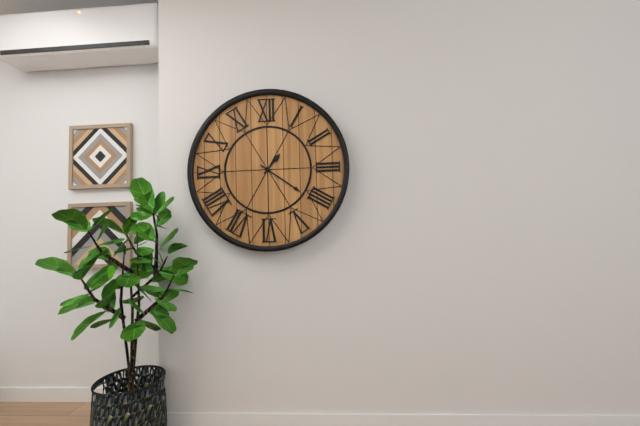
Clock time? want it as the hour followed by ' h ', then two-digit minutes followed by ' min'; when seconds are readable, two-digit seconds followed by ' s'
1 h 21 min
